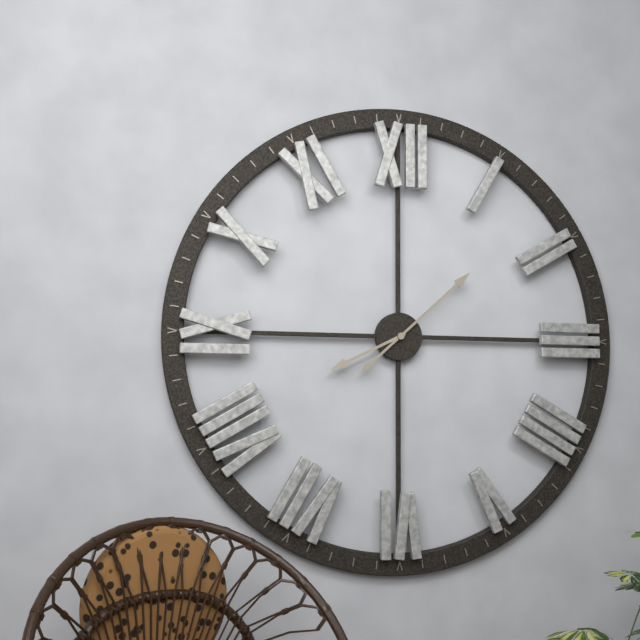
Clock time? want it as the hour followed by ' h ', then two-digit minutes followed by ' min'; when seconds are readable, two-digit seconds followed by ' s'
8 h 08 min
